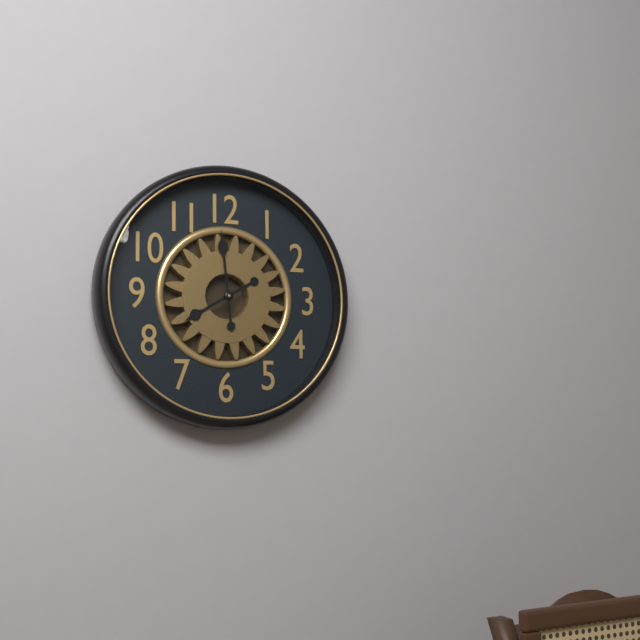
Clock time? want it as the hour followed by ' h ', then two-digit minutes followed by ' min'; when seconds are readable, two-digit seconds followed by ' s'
7 h 59 min
